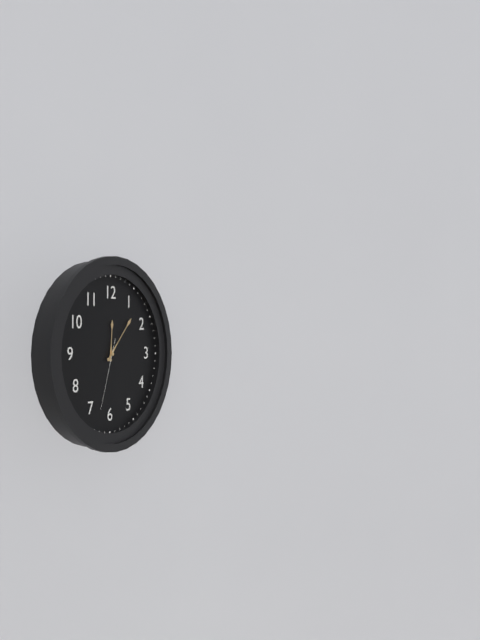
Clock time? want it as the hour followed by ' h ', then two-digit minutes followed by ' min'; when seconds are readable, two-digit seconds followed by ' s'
12 h 07 min 33 s
